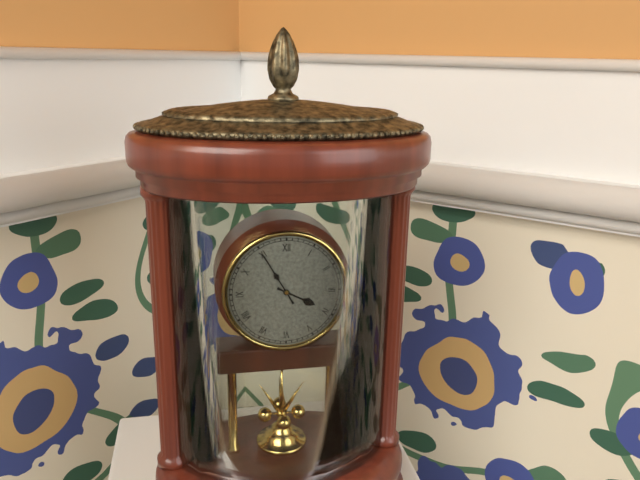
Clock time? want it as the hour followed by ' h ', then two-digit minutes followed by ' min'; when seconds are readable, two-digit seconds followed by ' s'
3 h 55 min
